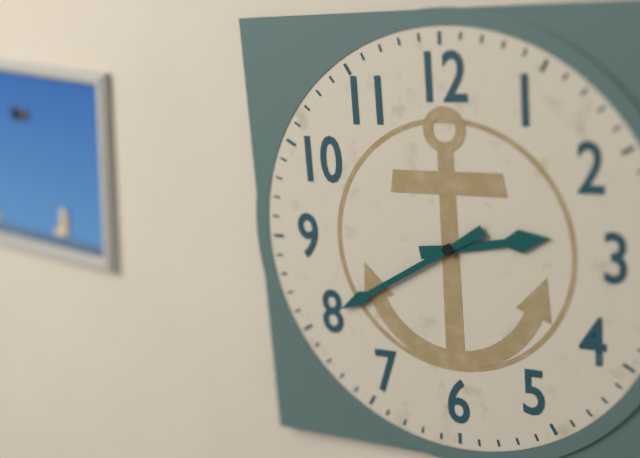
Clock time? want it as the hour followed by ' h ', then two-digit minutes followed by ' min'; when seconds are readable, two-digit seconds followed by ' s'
2 h 40 min
